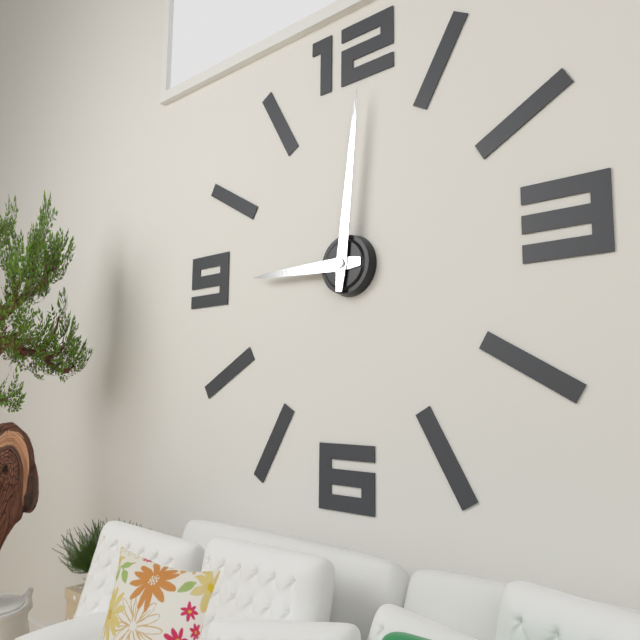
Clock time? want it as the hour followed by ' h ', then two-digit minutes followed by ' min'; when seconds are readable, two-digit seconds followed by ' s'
9 h 01 min
